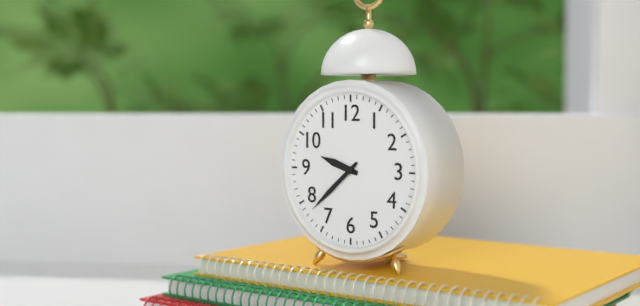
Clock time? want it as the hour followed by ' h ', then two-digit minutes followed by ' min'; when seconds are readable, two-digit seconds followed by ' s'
9 h 38 min
